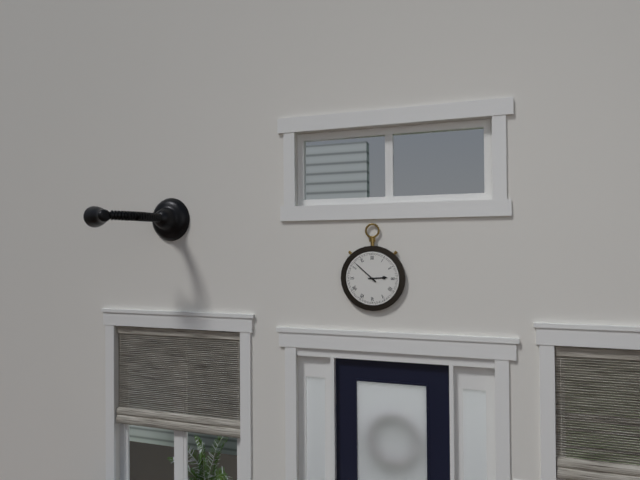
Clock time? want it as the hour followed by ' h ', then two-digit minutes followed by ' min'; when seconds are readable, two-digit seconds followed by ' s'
2 h 52 min
